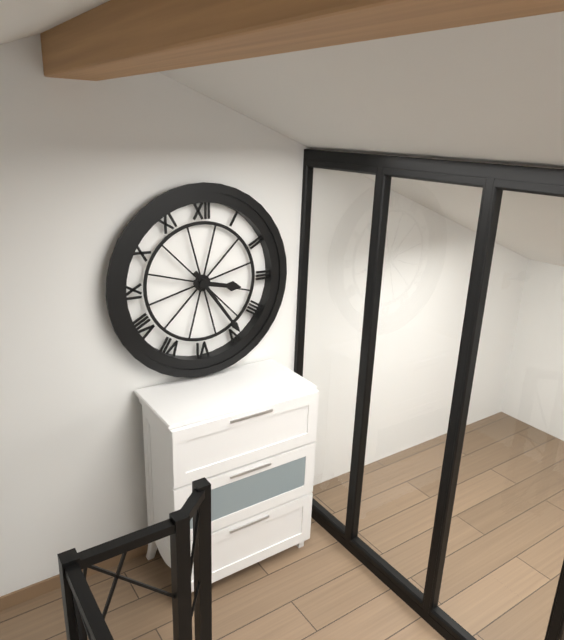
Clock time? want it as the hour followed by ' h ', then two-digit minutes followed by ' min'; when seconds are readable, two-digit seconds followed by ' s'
3 h 24 min
